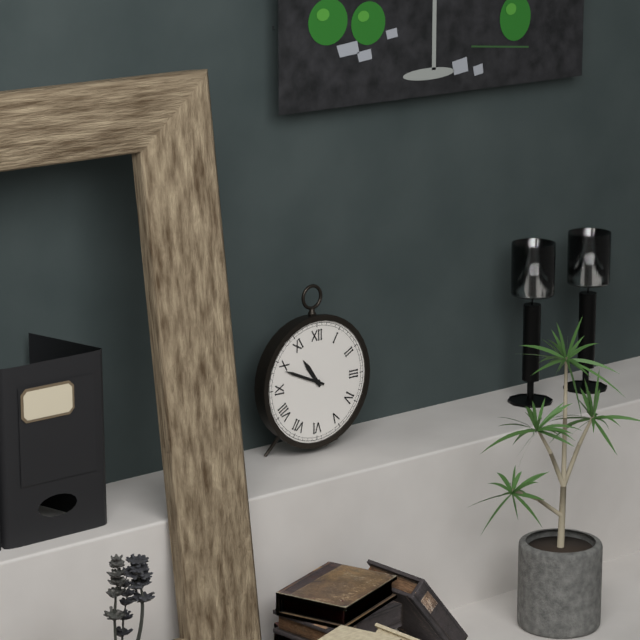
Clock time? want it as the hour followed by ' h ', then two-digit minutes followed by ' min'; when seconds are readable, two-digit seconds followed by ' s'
10 h 49 min
